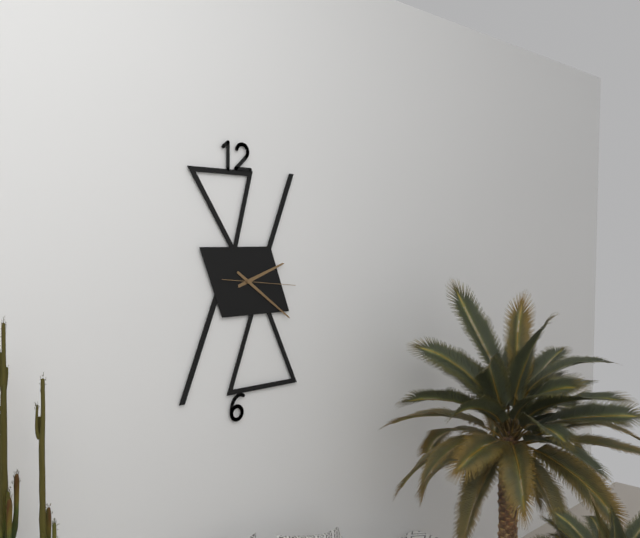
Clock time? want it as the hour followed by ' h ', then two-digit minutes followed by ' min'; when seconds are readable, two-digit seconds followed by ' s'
2 h 21 min 16 s
